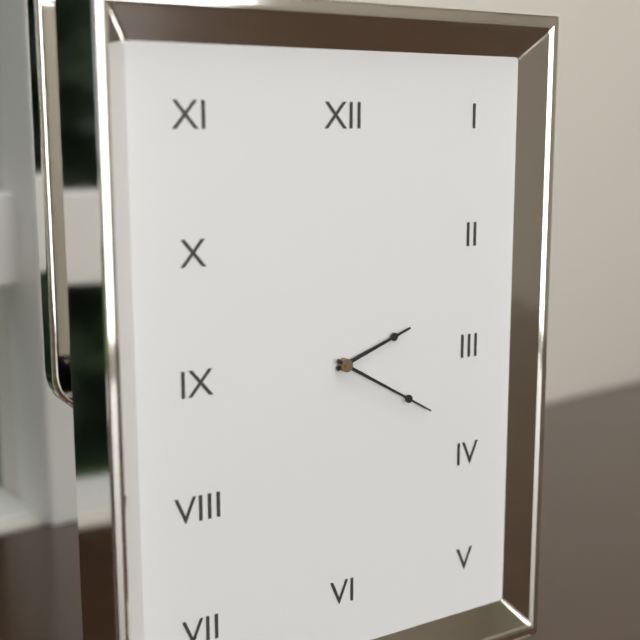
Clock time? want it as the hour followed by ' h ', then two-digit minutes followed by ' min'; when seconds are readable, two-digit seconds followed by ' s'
2 h 20 min
